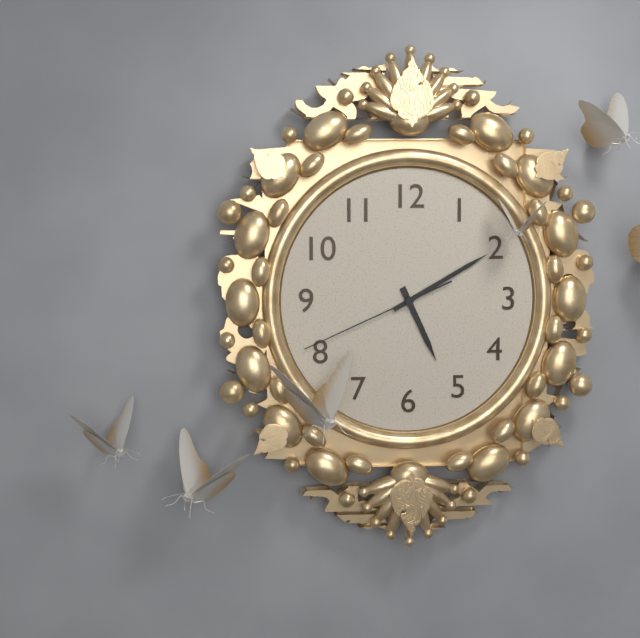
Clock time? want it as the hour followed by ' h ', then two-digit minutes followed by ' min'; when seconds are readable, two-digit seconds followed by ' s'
5 h 10 min 41 s
